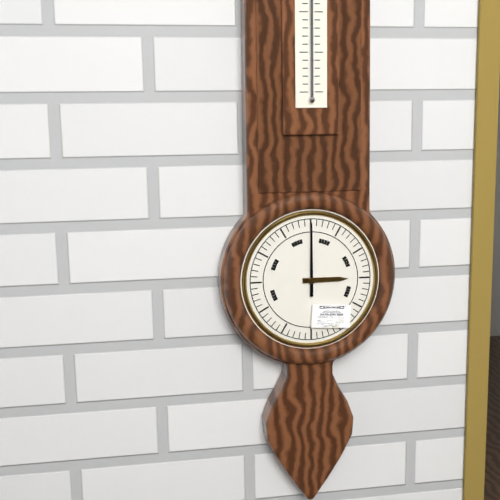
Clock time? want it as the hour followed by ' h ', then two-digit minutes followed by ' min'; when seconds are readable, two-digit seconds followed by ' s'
3 h 00 min
